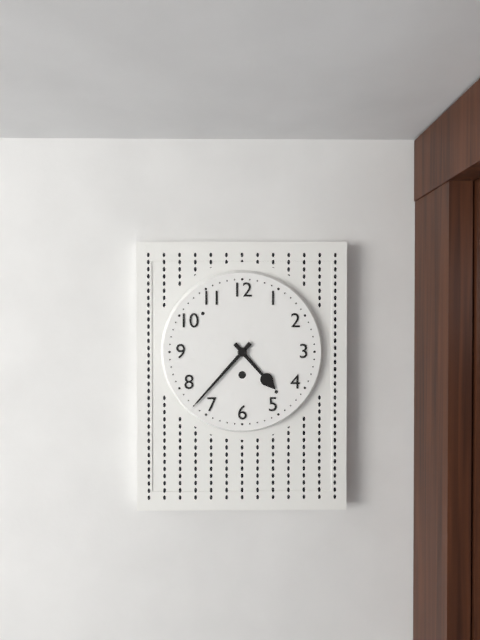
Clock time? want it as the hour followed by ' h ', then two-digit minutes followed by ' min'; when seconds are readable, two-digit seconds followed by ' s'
4 h 37 min
